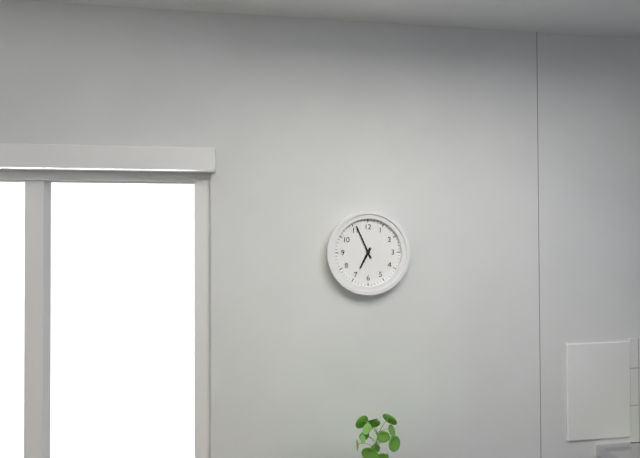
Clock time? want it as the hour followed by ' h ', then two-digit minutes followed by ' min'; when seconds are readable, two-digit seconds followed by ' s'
6 h 56 min
